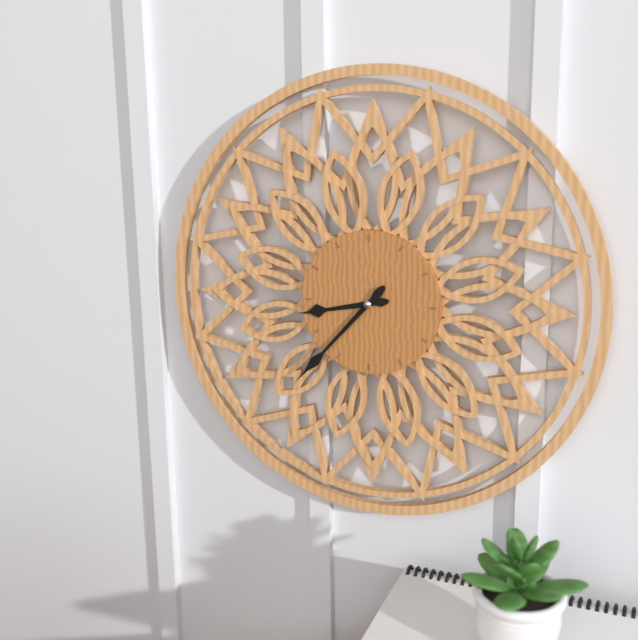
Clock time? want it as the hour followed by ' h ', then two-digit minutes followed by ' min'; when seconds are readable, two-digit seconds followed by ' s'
8 h 37 min
